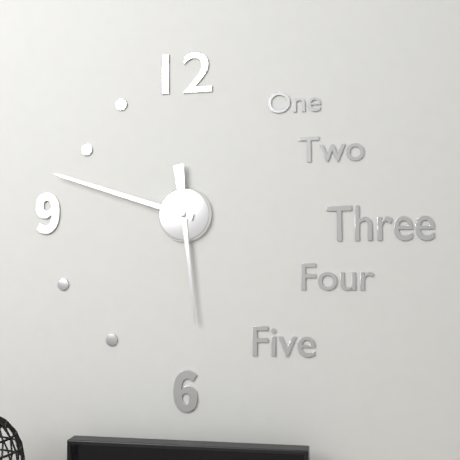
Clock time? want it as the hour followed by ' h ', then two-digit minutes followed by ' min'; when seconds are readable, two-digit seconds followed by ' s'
5 h 48 min
